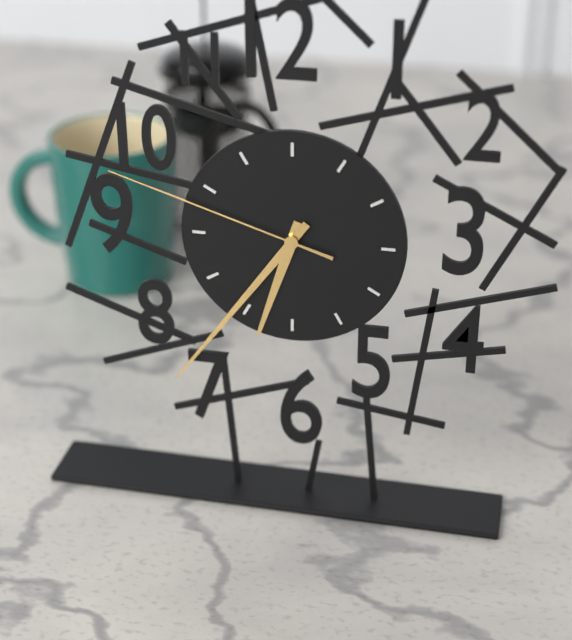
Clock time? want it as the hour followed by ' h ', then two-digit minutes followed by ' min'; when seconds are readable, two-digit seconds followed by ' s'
6 h 36 min 48 s
